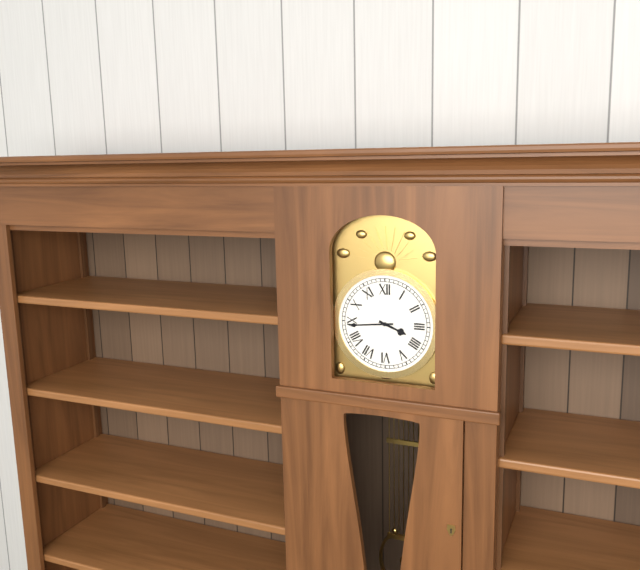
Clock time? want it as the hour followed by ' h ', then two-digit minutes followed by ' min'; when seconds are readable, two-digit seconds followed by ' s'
3 h 44 min
